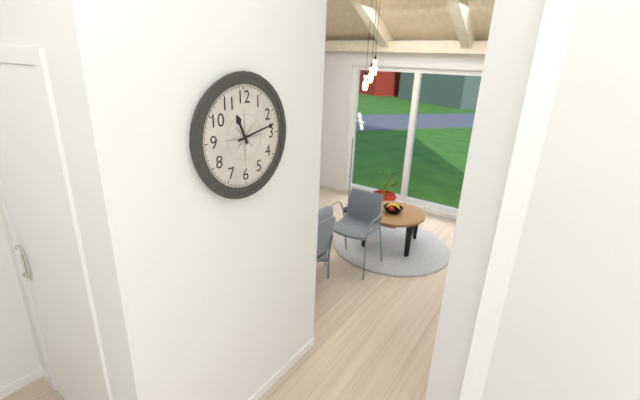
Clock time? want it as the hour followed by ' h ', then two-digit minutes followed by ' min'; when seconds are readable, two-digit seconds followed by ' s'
11 h 13 min
